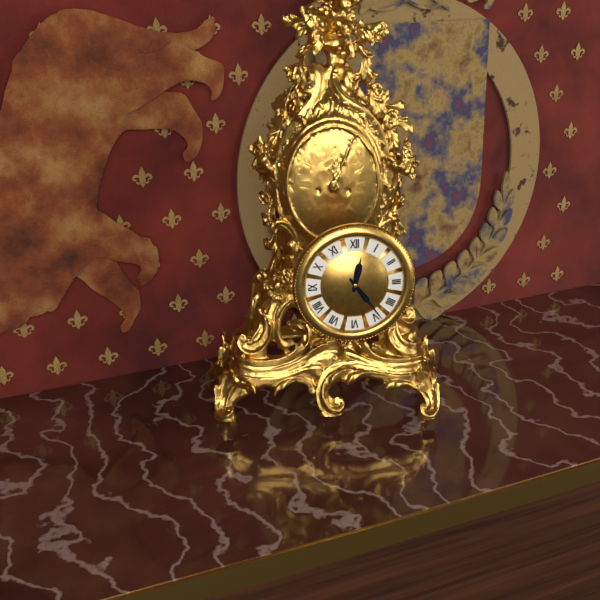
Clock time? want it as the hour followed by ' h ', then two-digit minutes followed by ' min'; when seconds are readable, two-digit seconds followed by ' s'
12 h 24 min
